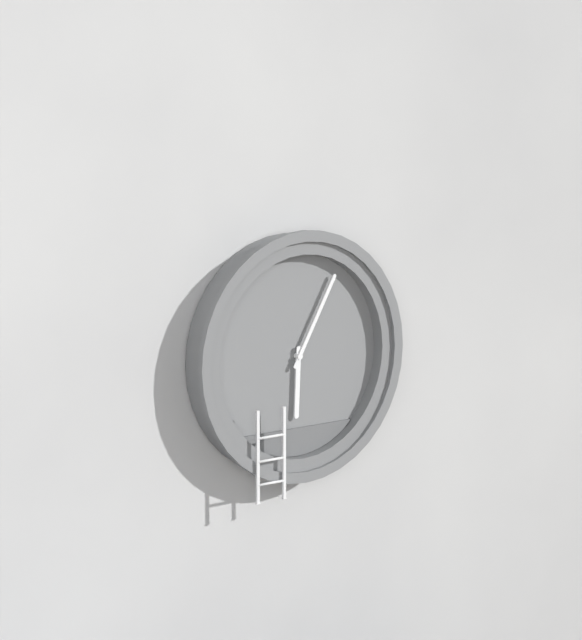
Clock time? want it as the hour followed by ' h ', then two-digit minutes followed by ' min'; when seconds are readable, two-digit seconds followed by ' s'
6 h 05 min
